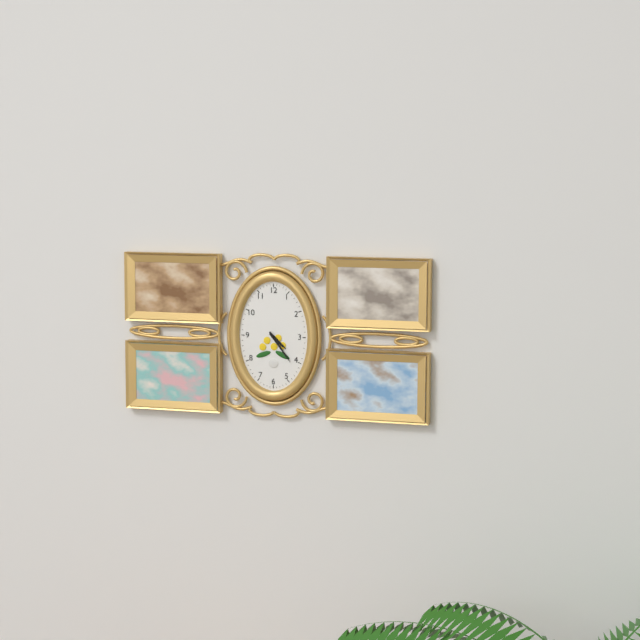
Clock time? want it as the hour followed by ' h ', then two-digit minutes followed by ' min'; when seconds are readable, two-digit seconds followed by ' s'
4 h 24 min
